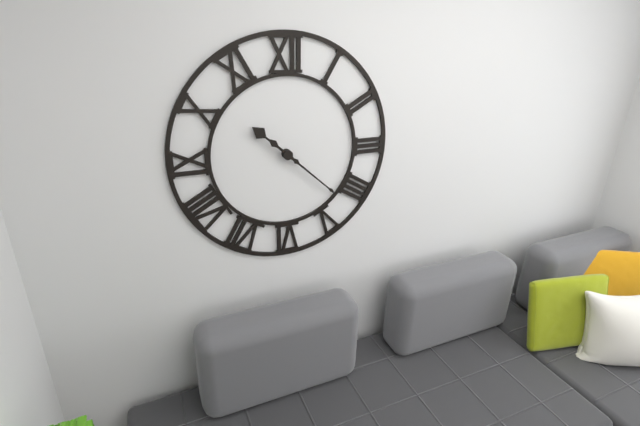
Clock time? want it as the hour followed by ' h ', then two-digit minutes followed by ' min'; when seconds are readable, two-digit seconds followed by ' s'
10 h 22 min
